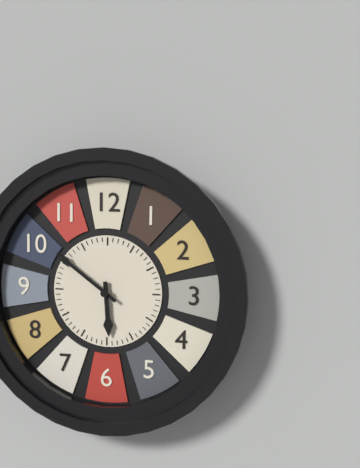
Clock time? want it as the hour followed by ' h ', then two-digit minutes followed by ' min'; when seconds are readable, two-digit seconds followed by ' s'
5 h 51 min
